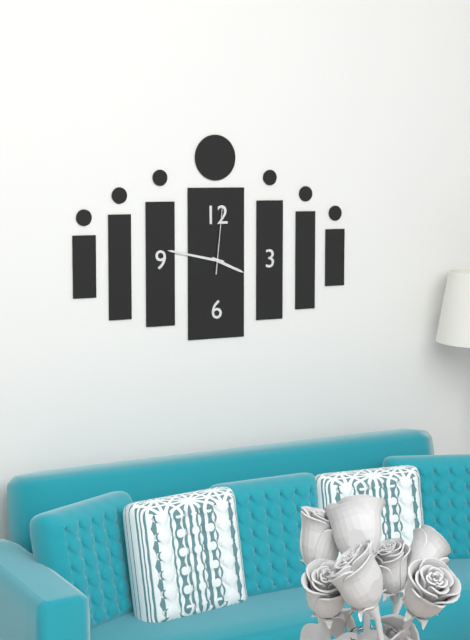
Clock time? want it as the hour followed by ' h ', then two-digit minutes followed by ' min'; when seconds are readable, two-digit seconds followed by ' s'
3 h 47 min 01 s
